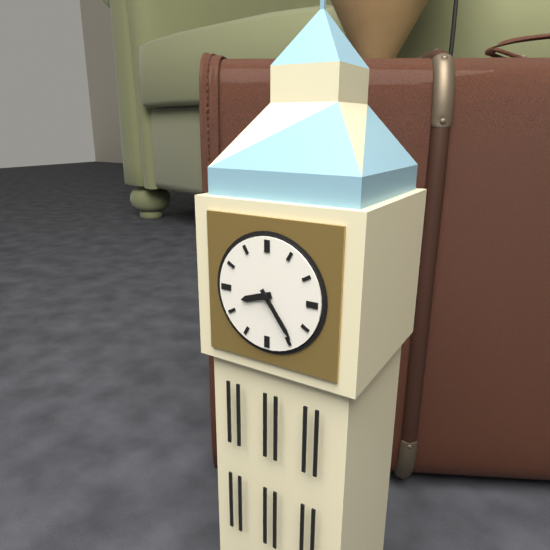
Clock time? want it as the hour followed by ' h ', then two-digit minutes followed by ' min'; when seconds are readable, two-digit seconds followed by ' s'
8 h 24 min
